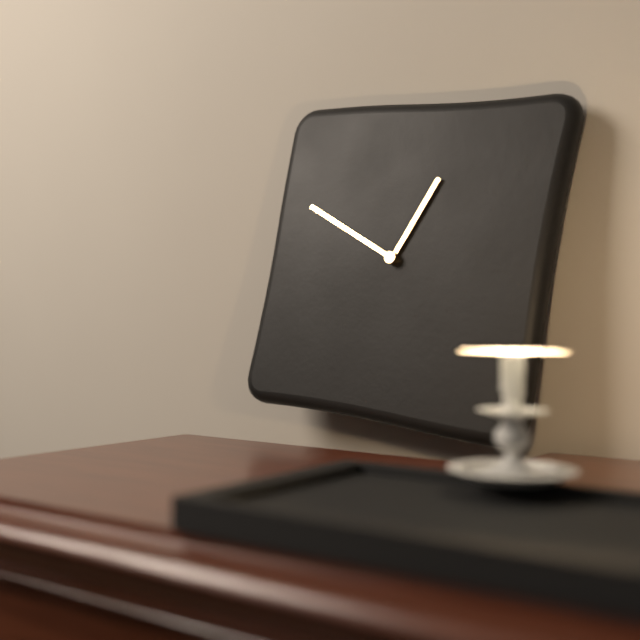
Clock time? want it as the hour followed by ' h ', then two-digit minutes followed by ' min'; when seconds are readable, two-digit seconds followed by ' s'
12 h 49 min
